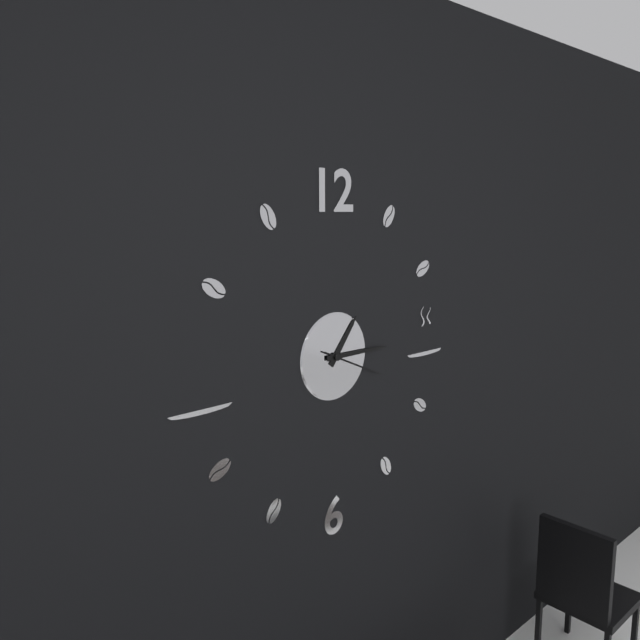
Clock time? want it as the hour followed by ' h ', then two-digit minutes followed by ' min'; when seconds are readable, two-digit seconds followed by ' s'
1 h 15 min 19 s
